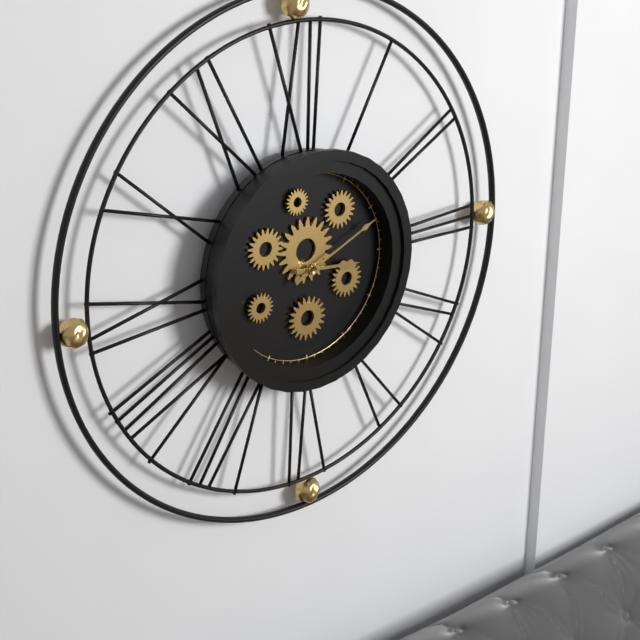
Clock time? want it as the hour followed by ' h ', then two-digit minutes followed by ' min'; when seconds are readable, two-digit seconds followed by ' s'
3 h 11 min
